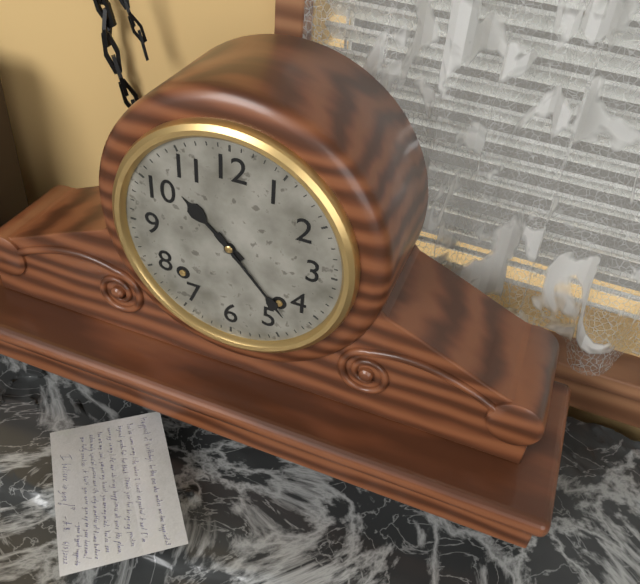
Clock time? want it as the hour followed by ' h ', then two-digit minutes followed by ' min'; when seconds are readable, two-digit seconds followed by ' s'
10 h 23 min
